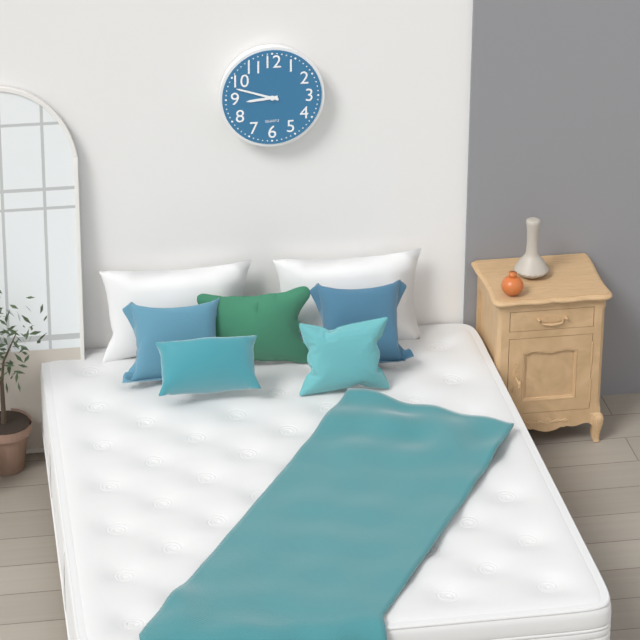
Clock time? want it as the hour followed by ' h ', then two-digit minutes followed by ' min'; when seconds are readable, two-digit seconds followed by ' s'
8 h 48 min
